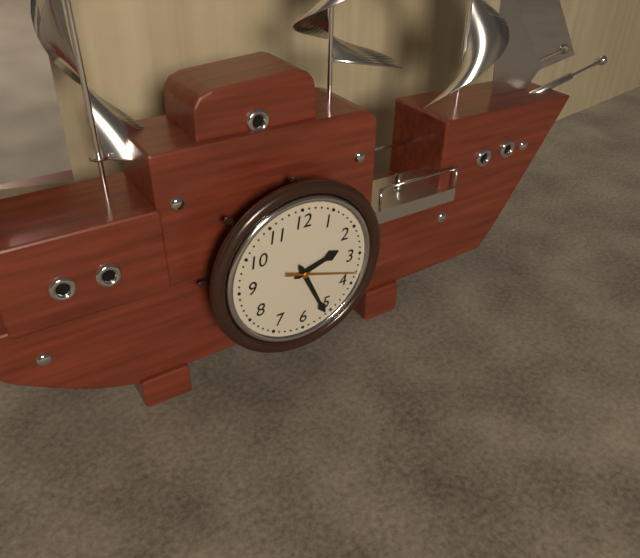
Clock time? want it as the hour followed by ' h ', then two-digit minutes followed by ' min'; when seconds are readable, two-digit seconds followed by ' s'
2 h 26 min 18 s
